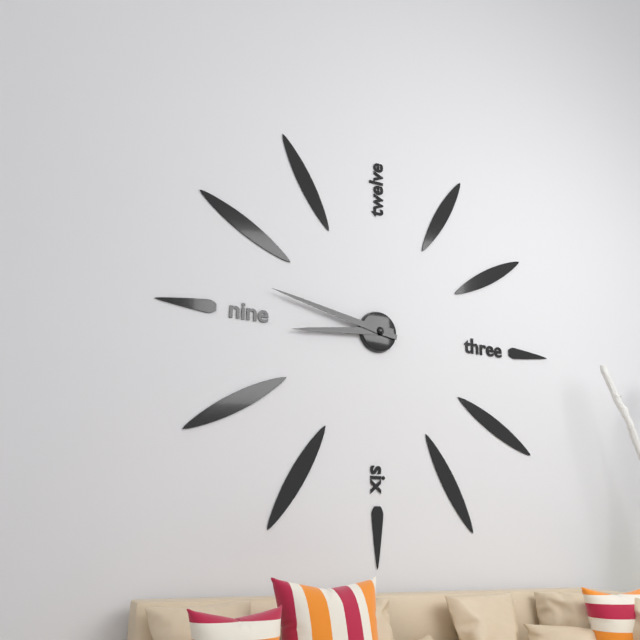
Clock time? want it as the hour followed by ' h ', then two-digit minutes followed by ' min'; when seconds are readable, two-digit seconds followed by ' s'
8 h 47 min
